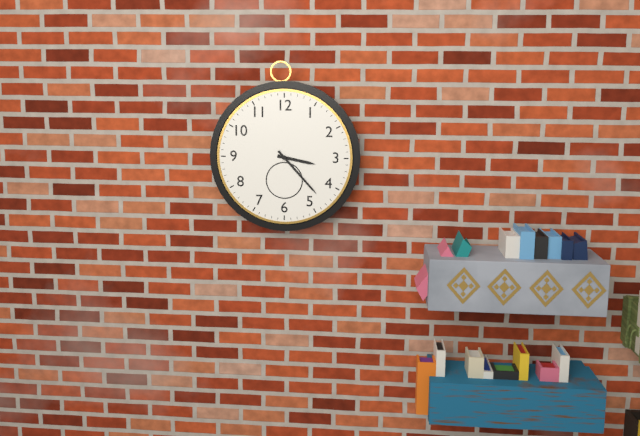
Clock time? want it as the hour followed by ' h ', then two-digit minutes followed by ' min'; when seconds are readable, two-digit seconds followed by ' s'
3 h 23 min
